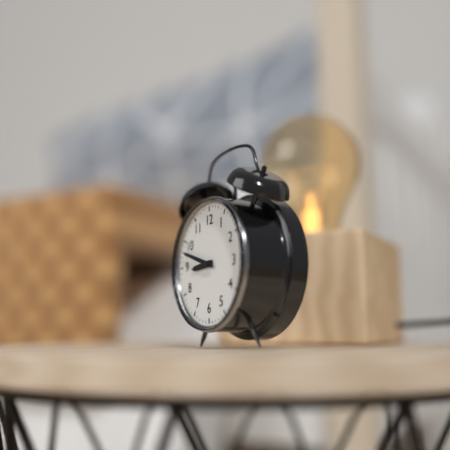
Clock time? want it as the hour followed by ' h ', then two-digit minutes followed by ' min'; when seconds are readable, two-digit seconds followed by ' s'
8 h 48 min
